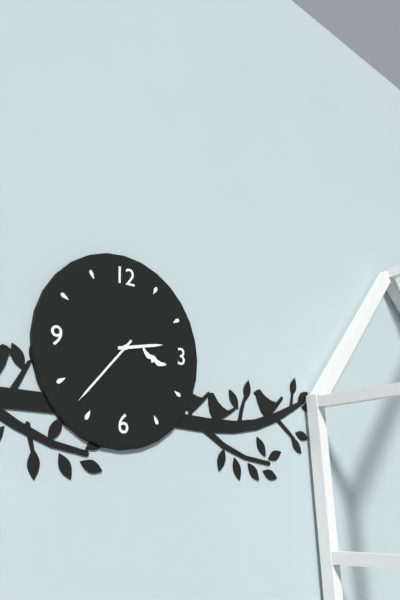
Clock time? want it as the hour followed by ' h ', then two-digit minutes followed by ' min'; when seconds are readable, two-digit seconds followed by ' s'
2 h 37 min
